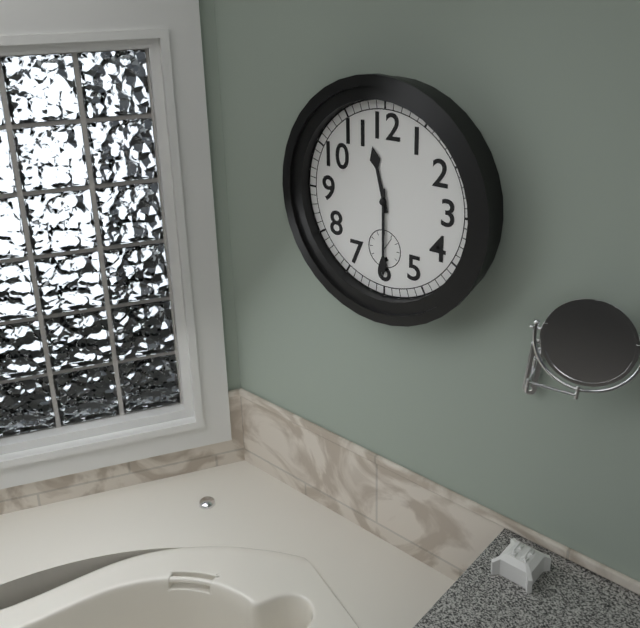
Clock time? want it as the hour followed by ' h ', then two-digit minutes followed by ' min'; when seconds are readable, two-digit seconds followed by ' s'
11 h 30 min
